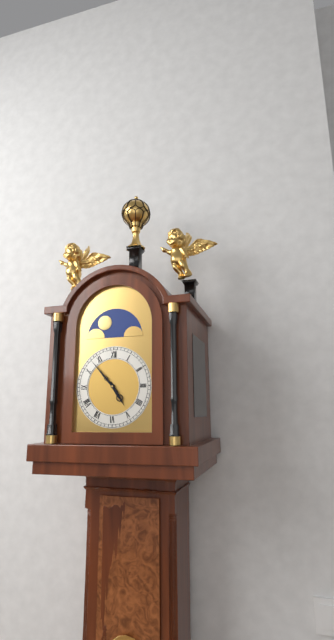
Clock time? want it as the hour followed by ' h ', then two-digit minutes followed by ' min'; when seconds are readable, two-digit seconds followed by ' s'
4 h 53 min
